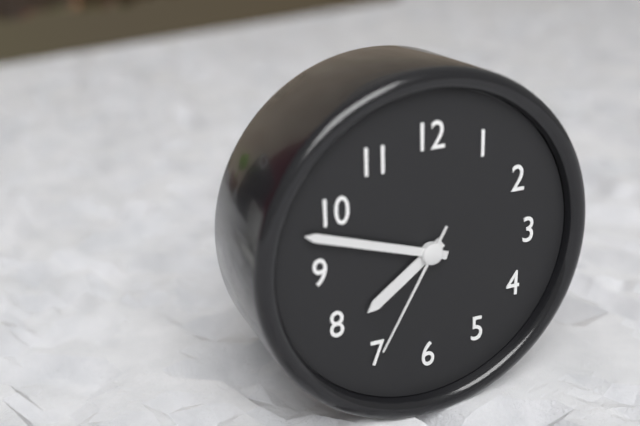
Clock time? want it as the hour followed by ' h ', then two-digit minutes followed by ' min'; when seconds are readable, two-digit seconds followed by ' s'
7 h 48 min 35 s
